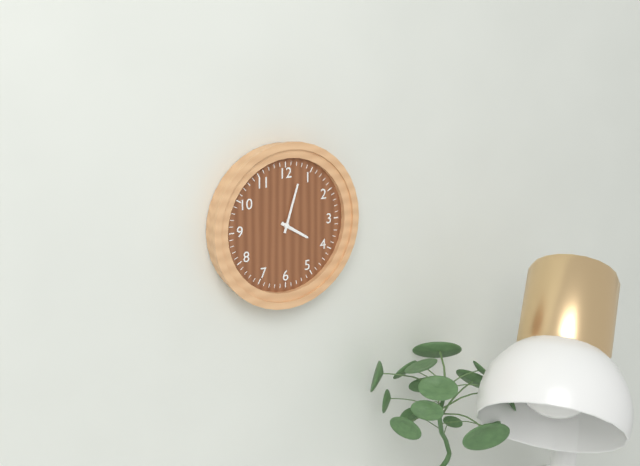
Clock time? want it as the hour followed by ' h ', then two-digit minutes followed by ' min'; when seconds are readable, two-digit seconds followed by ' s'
4 h 03 min
